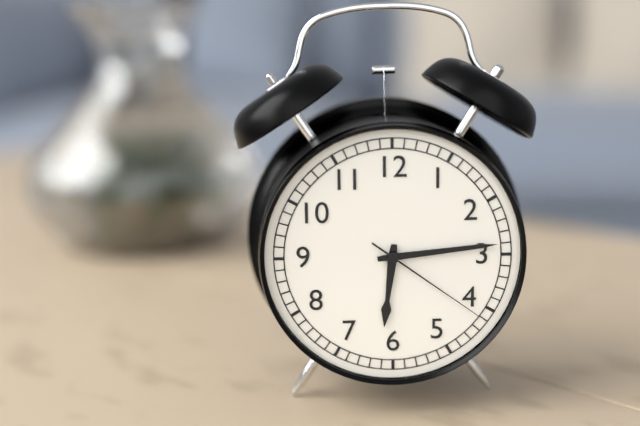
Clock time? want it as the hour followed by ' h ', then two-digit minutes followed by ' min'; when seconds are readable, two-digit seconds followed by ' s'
6 h 14 min 21 s
